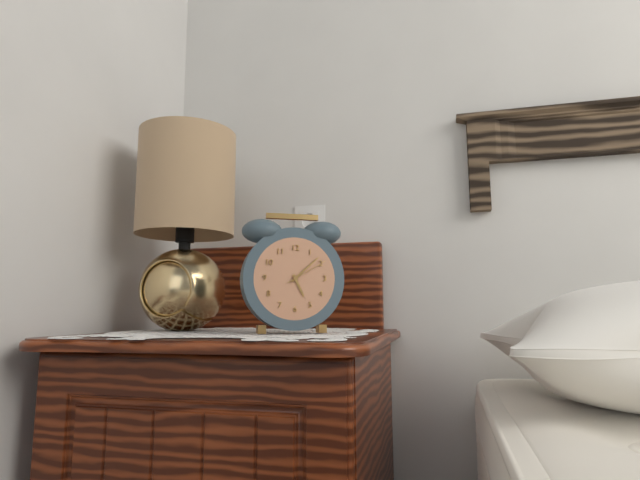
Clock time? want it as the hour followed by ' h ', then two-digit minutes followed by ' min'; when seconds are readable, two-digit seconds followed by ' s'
5 h 08 min
